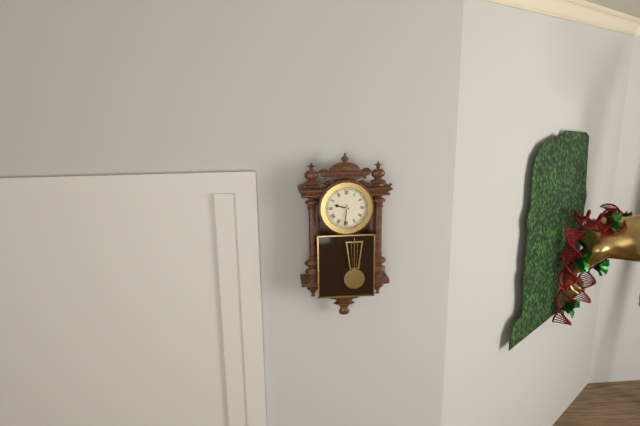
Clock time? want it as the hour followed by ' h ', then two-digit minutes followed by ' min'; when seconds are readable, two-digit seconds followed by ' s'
9 h 31 min
